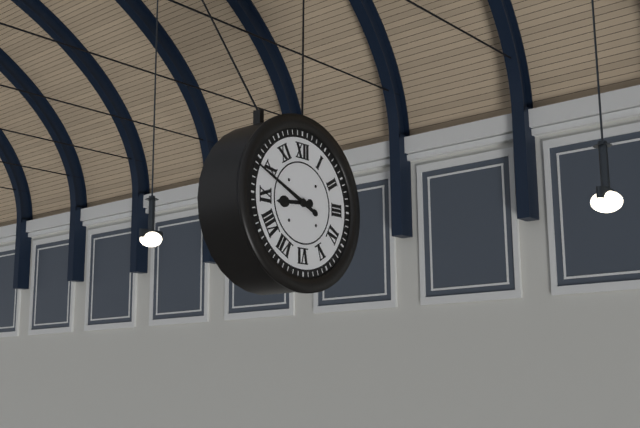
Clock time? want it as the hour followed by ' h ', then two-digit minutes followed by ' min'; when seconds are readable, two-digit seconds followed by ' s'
8 h 49 min
